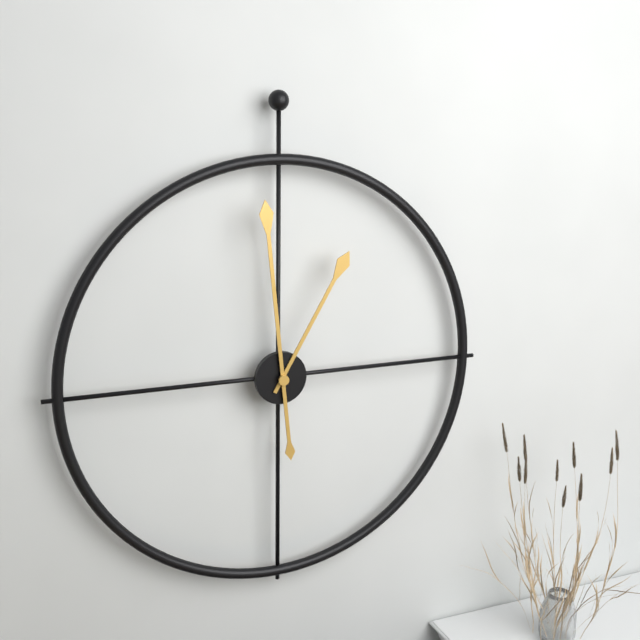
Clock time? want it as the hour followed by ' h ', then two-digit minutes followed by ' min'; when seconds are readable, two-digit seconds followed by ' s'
12 h 59 min
